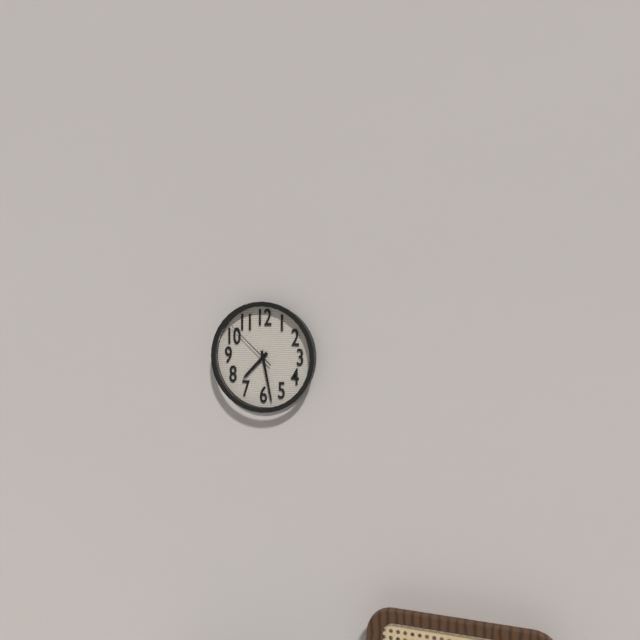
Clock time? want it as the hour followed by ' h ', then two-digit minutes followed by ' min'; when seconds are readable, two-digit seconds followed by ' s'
7 h 28 min 52 s
